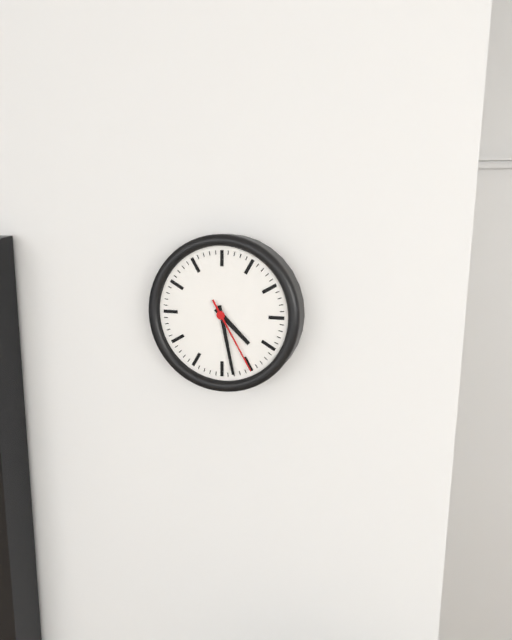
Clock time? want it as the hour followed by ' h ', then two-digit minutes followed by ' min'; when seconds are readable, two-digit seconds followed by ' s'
4 h 28 min 25 s
